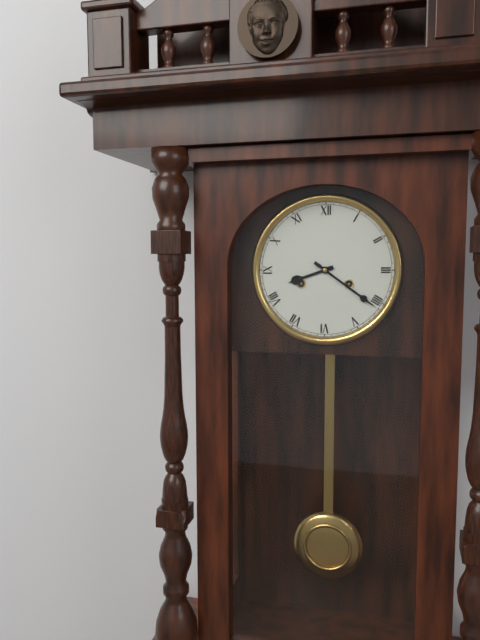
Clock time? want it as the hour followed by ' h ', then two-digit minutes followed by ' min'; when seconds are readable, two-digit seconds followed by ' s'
8 h 21 min
